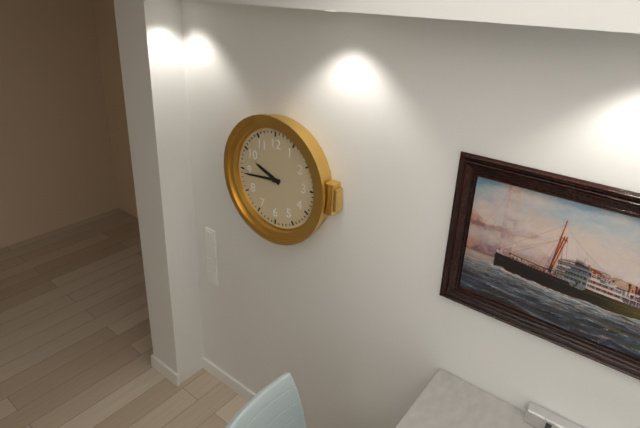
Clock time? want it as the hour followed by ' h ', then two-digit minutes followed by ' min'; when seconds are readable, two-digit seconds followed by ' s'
9 h 44 min
